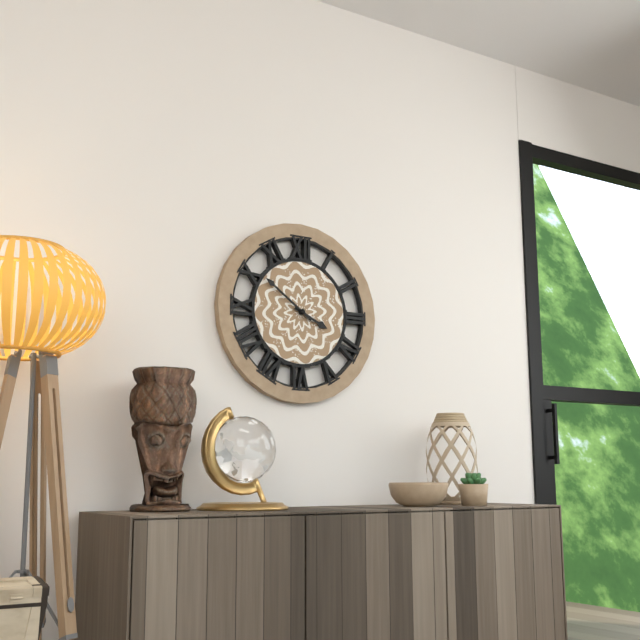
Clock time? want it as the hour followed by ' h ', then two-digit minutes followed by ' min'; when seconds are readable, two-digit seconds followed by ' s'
3 h 51 min
